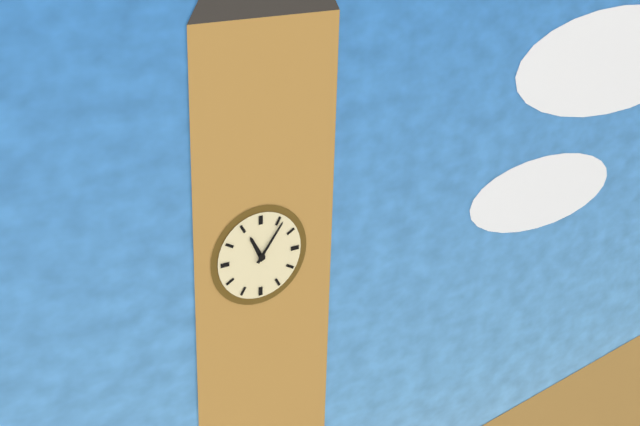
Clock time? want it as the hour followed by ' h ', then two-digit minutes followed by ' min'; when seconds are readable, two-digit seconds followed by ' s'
11 h 06 min
